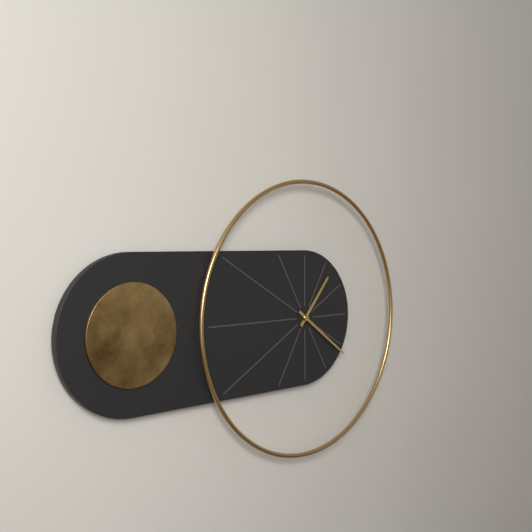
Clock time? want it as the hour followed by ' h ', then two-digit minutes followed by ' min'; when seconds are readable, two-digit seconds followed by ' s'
1 h 21 min
